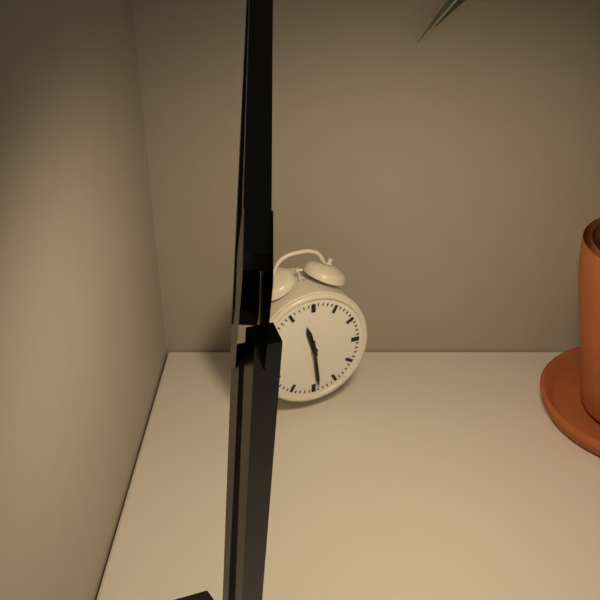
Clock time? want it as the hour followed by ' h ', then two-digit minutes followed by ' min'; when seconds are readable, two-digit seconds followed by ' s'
11 h 29 min
